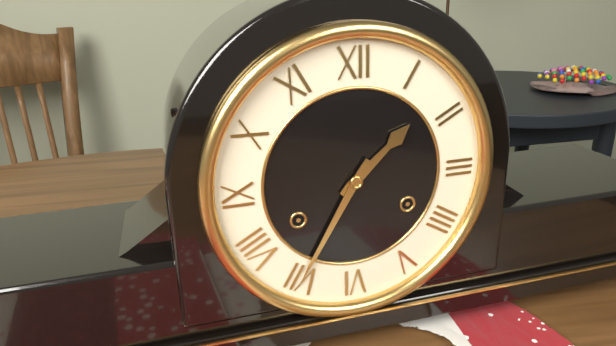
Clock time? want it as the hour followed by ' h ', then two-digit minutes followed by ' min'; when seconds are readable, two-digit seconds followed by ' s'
1 h 35 min
